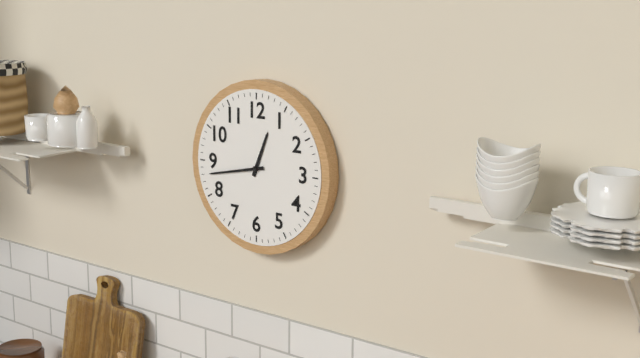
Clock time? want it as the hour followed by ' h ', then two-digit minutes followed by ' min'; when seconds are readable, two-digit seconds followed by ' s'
12 h 43 min
